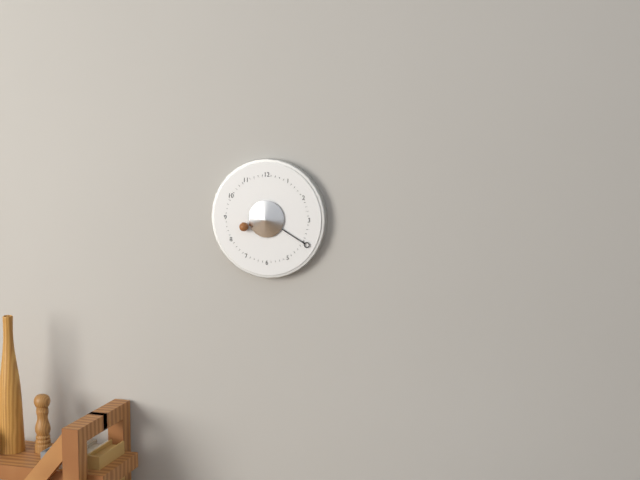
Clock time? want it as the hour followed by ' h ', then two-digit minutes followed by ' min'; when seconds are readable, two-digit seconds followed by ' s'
8 h 20 min
